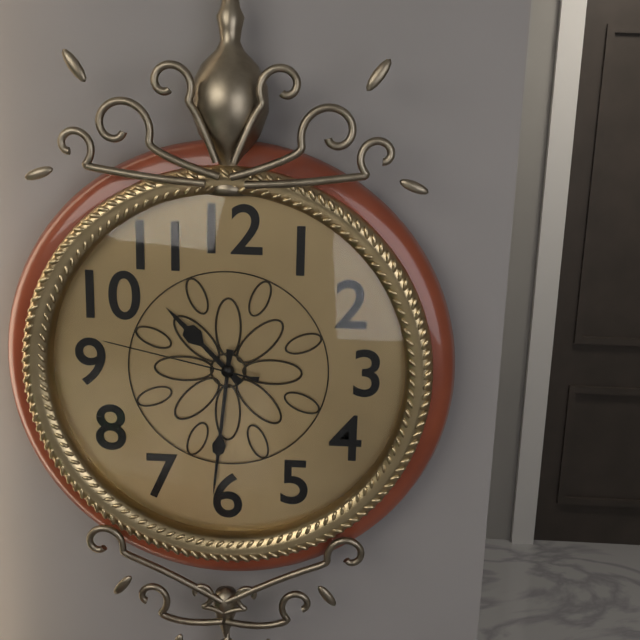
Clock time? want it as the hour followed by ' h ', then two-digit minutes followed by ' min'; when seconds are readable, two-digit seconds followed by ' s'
10 h 31 min 47 s
